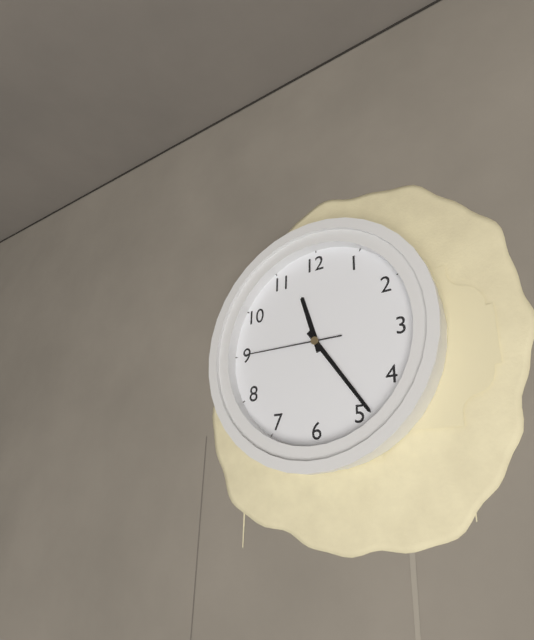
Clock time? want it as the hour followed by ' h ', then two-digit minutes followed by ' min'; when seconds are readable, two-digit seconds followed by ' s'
11 h 24 min 45 s
